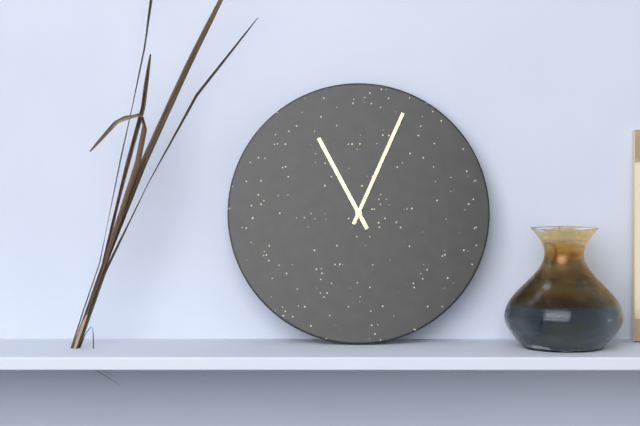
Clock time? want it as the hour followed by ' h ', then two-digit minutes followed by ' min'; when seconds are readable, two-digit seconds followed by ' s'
11 h 04 min
